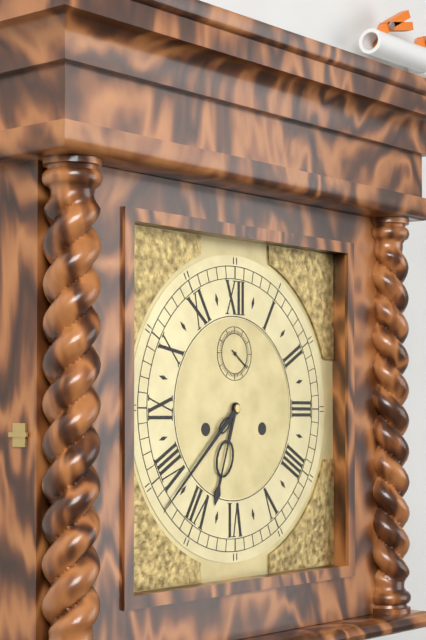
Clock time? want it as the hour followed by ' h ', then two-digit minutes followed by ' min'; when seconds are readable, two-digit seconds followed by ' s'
6 h 38 min
